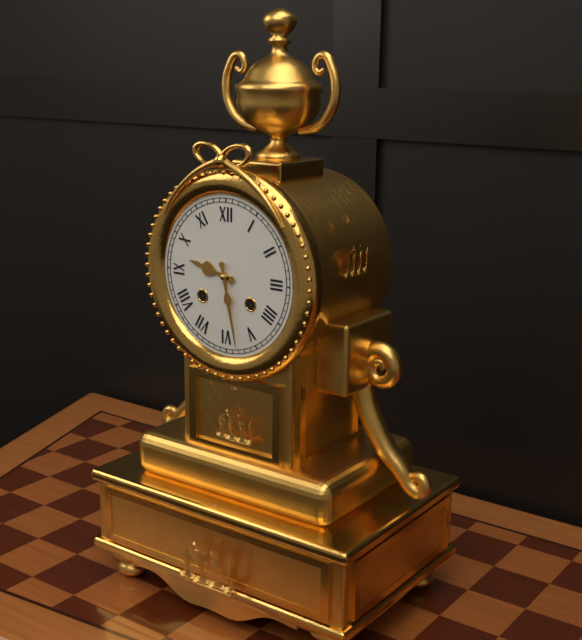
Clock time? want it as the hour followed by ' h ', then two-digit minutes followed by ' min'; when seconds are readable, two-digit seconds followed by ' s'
9 h 28 min
